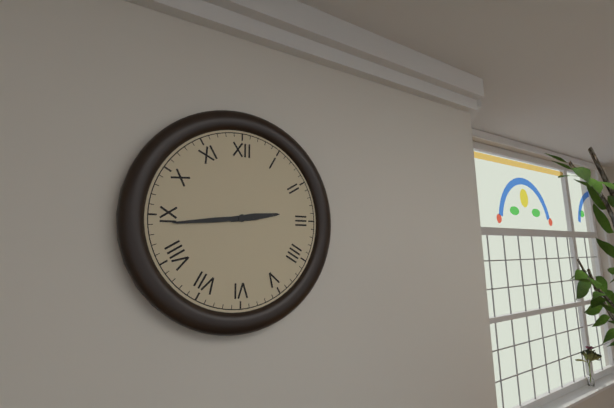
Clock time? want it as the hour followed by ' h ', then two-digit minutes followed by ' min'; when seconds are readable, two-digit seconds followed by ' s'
2 h 44 min
